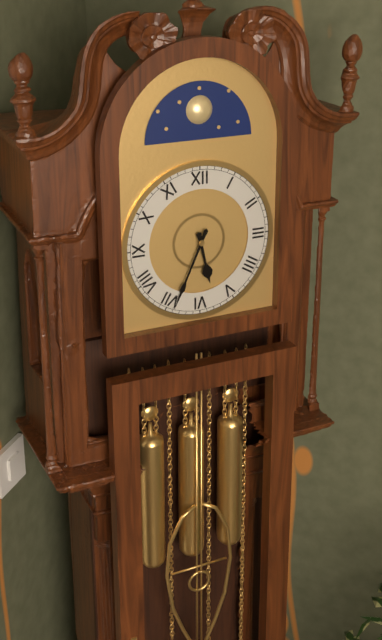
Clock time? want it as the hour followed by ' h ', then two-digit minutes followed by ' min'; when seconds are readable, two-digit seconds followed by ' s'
5 h 34 min
